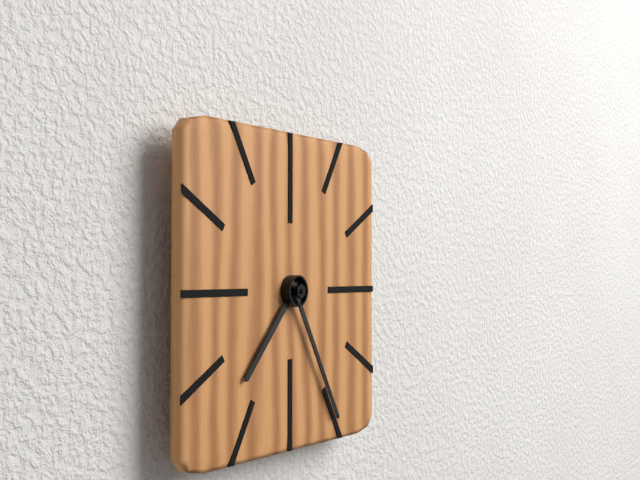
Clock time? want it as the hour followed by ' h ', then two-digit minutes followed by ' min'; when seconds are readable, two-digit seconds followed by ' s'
7 h 25 min
